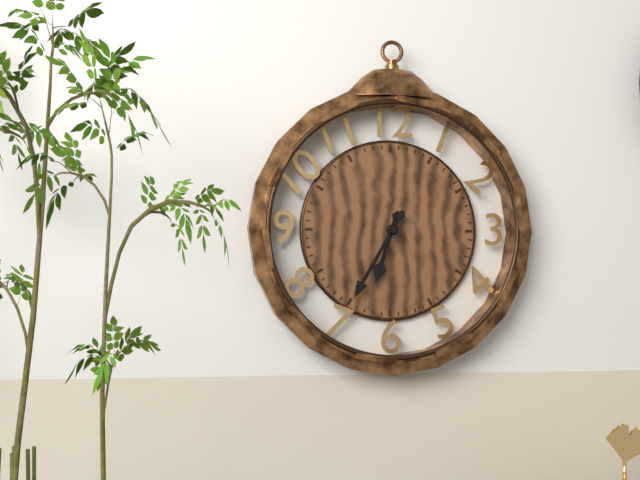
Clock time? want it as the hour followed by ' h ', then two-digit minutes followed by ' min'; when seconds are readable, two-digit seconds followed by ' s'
6 h 35 min
